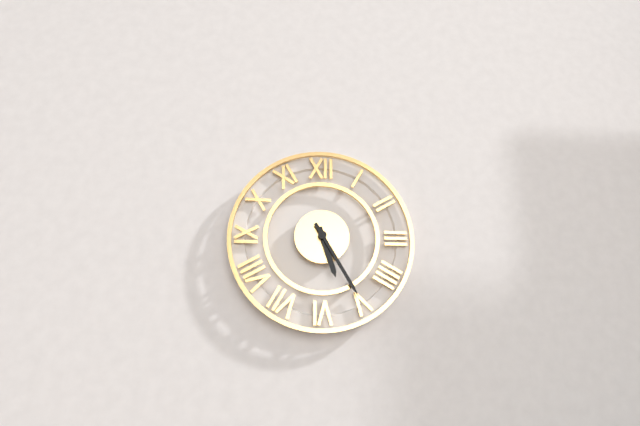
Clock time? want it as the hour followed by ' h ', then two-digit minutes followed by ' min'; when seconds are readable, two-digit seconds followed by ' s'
5 h 25 min
